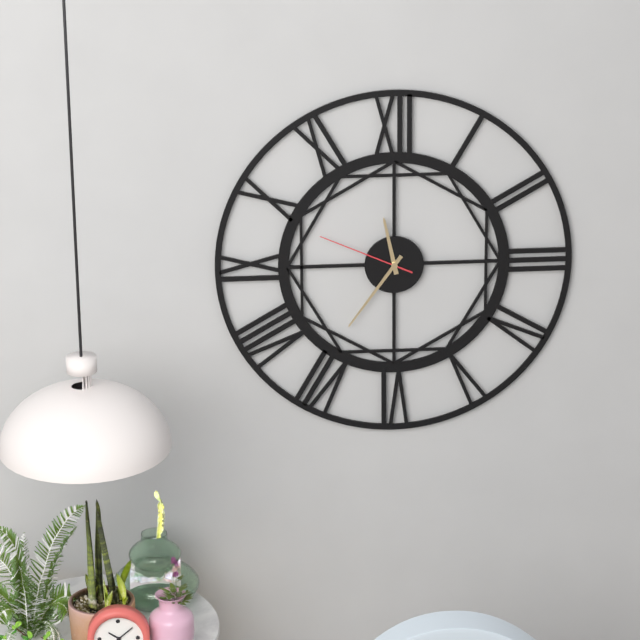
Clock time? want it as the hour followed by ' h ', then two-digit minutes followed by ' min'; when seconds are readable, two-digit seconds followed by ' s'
11 h 36 min 49 s
